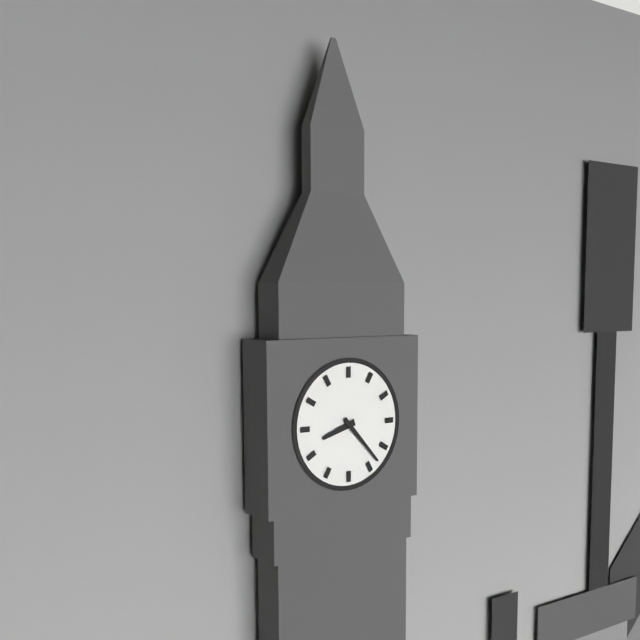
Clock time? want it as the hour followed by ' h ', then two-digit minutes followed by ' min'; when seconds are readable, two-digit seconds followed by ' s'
8 h 23 min
